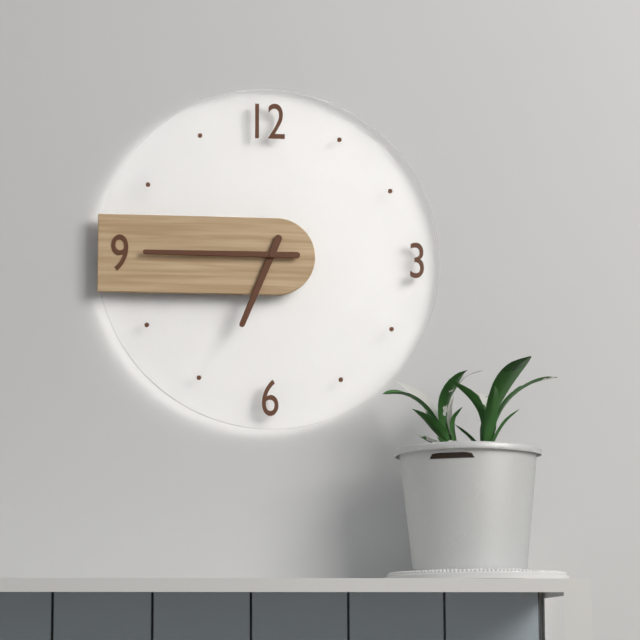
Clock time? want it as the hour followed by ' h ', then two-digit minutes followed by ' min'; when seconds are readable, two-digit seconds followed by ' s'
6 h 45 min
